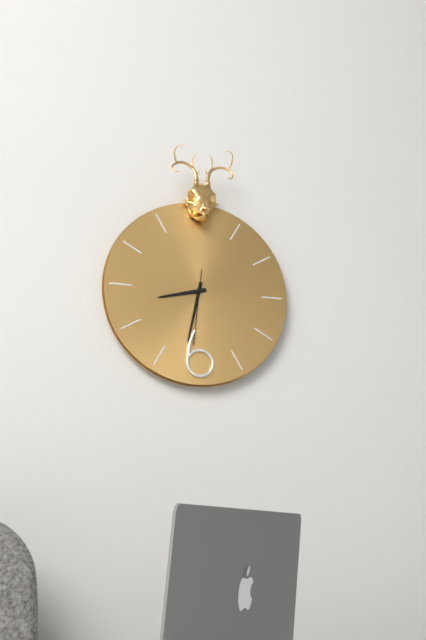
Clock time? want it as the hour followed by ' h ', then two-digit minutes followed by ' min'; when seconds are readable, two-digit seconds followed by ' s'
8 h 32 min 31 s
